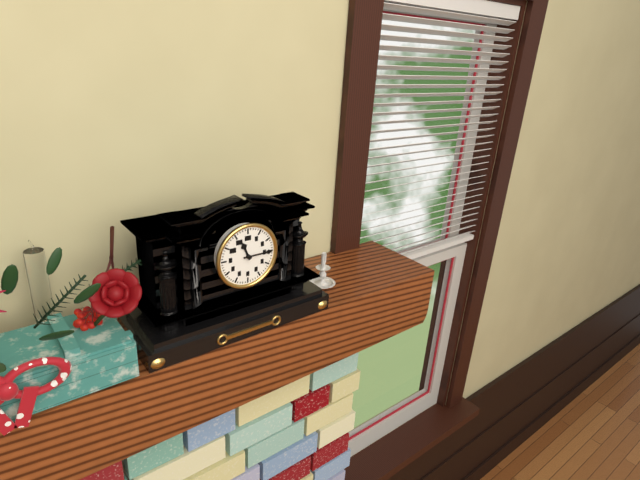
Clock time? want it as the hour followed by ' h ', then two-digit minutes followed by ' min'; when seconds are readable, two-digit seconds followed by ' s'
11 h 15 min
